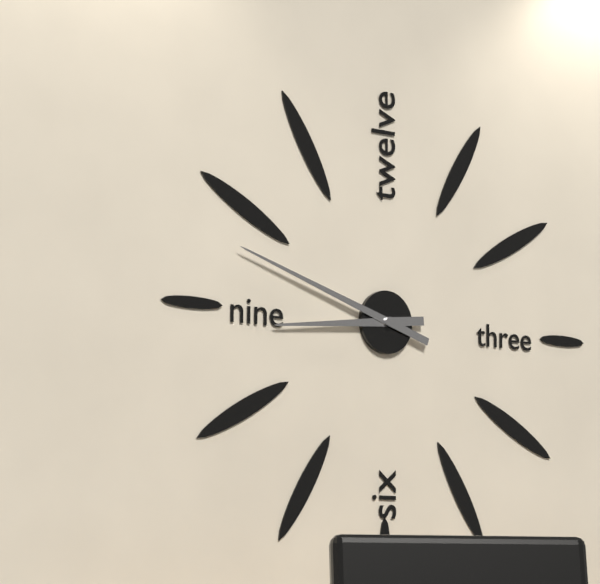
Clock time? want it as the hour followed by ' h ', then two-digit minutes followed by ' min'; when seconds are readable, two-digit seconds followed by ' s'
8 h 48 min
